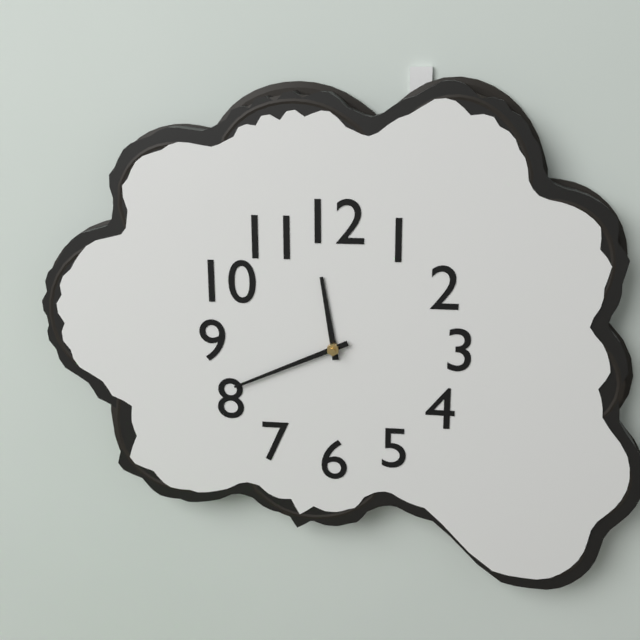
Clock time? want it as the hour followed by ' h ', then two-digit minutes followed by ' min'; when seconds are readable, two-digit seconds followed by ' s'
11 h 41 min
